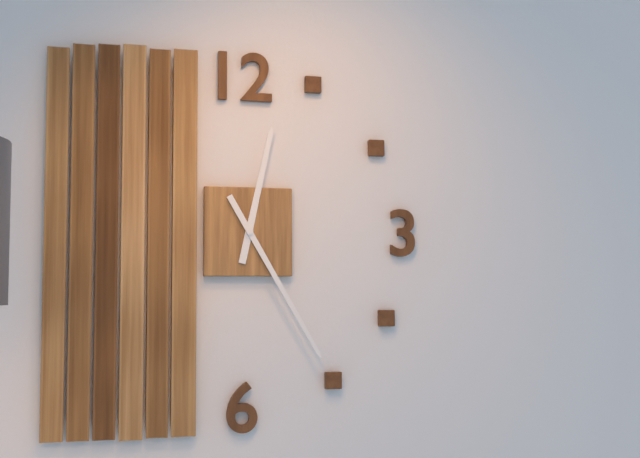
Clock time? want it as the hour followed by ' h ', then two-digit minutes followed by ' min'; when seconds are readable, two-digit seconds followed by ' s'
12 h 25 min
